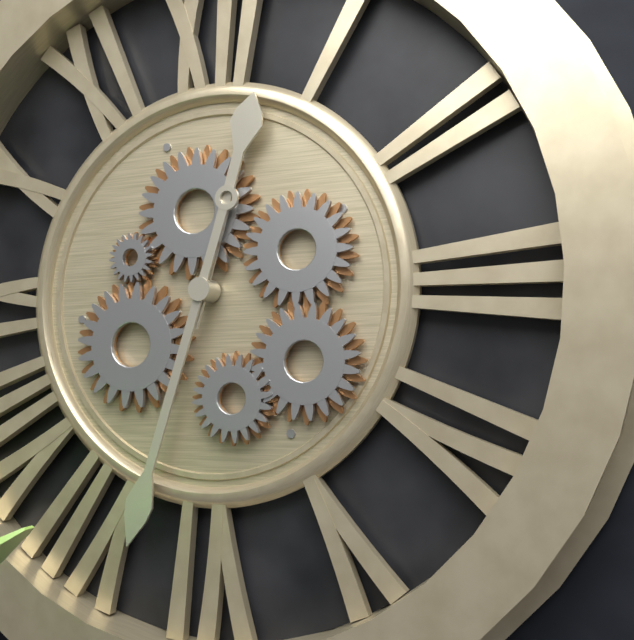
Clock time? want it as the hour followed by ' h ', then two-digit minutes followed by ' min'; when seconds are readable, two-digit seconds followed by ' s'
12 h 33 min
